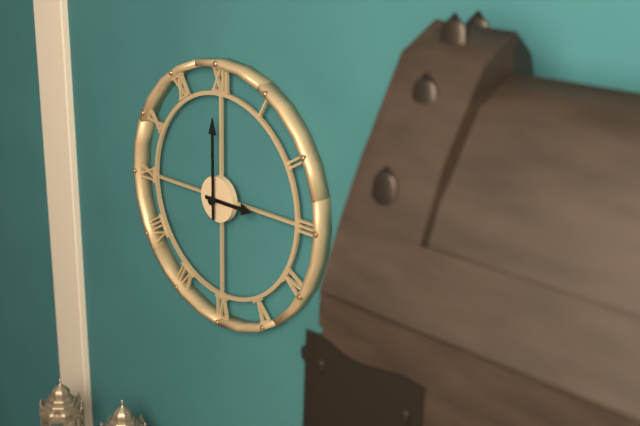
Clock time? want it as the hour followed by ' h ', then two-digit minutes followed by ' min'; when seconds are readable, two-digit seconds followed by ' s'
3 h 00 min
